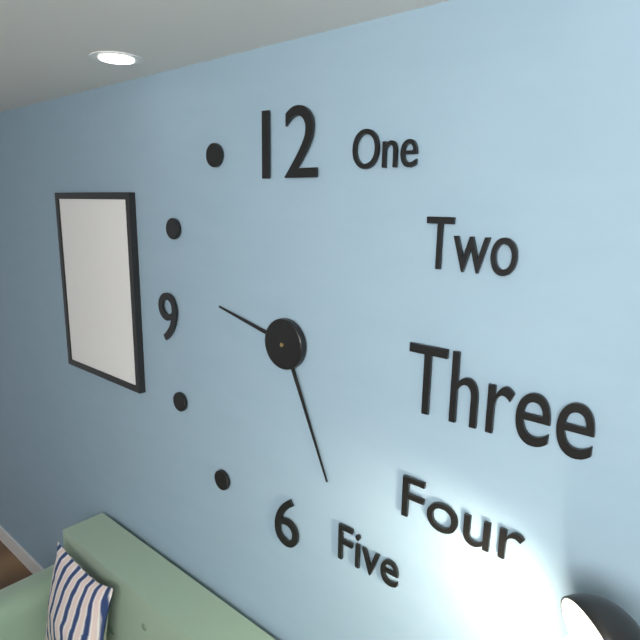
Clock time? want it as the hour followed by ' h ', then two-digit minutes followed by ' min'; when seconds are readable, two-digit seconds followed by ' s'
9 h 26 min
